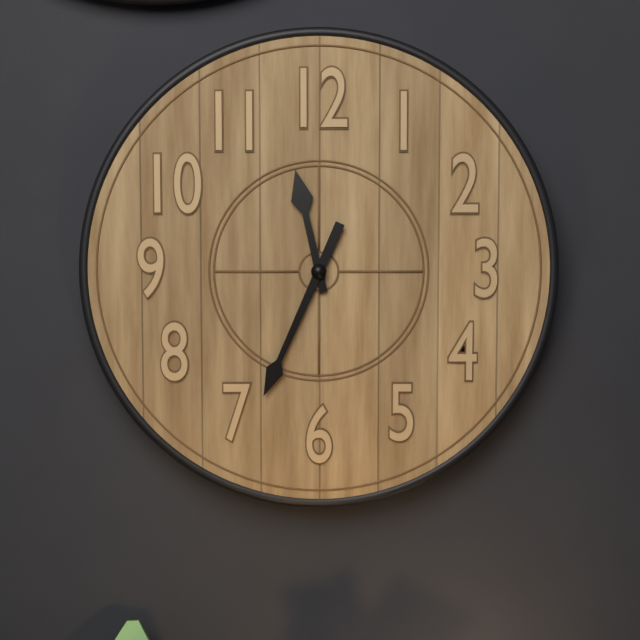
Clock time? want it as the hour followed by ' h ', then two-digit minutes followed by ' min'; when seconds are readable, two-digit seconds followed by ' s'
11 h 34 min
